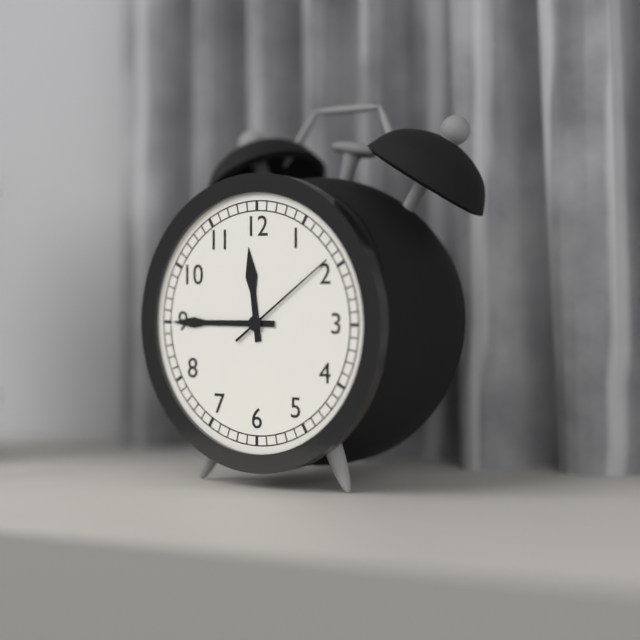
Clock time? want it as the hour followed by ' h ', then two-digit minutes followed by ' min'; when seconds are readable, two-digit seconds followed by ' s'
11 h 45 min 09 s
